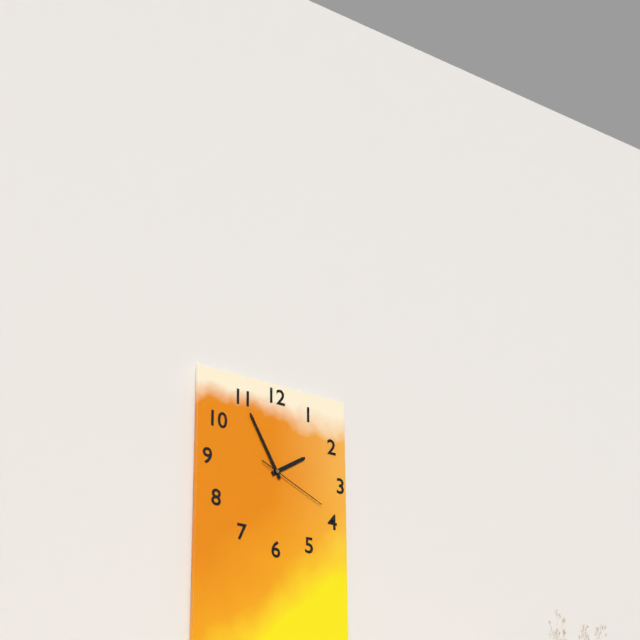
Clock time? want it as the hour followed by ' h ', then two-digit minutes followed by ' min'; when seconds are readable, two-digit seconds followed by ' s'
1 h 55 min 19 s
